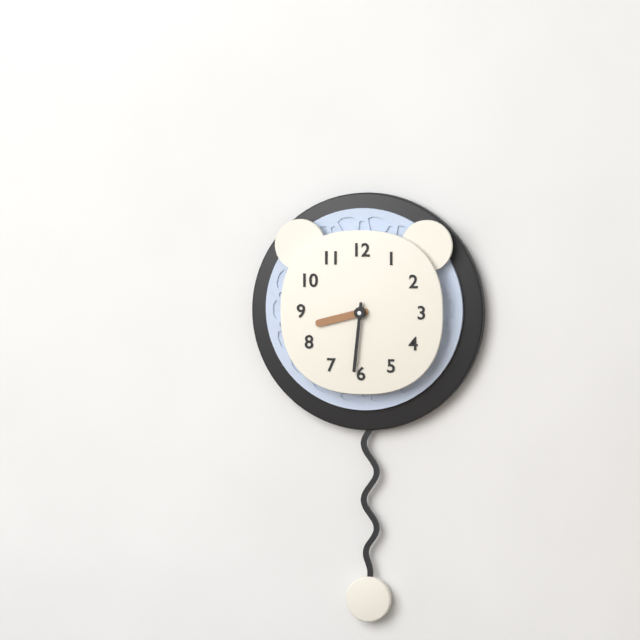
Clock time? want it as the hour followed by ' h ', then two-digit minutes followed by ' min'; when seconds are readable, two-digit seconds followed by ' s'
8 h 31 min
